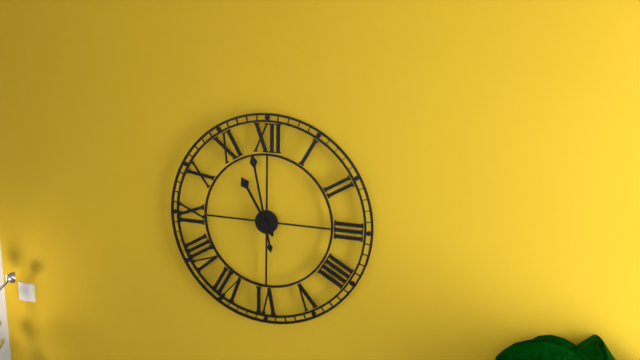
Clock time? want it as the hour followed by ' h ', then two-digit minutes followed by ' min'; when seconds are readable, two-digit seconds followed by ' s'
10 h 58 min
